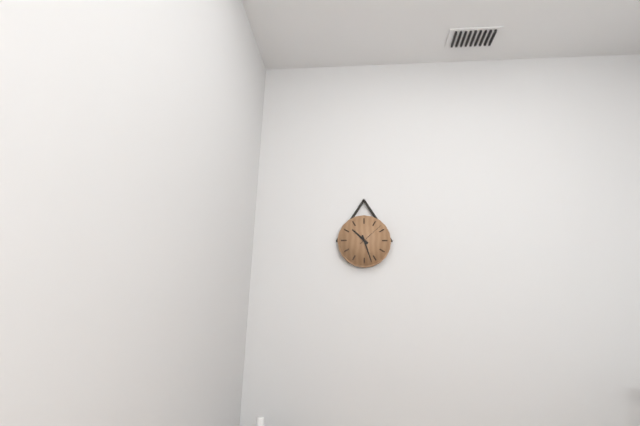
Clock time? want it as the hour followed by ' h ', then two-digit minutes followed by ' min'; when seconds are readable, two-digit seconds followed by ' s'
10 h 27 min
